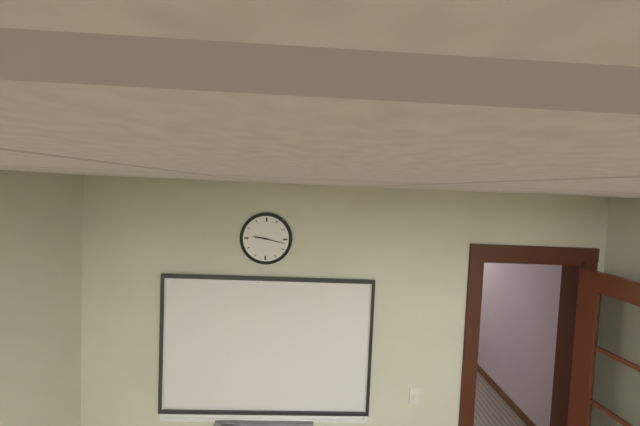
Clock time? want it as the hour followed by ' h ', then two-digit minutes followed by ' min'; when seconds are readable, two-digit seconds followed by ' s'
9 h 17 min
